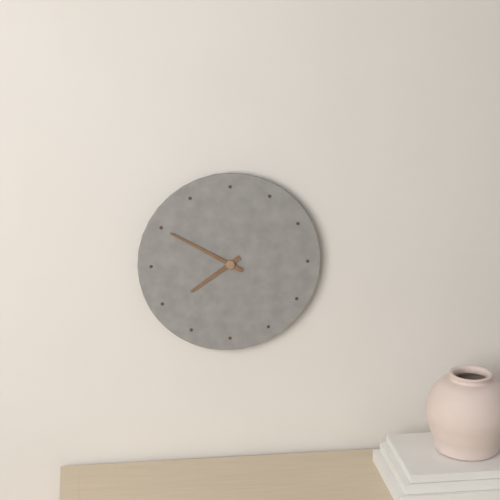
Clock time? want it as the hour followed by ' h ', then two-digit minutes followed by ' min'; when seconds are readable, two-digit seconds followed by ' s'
7 h 50 min
